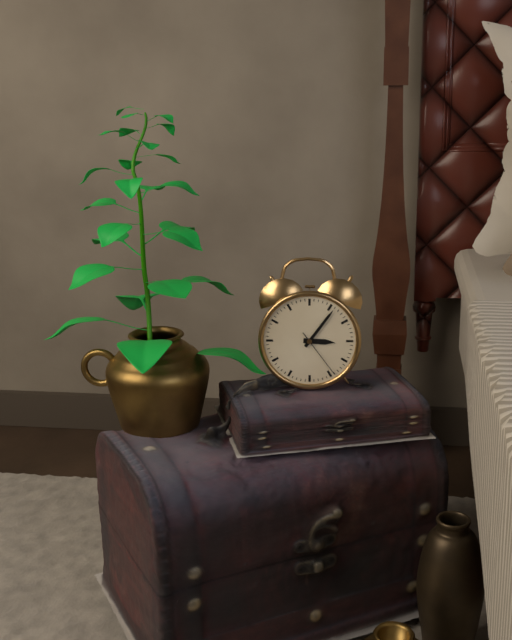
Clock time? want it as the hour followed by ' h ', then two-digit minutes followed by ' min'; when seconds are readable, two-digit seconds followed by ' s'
3 h 06 min 24 s
